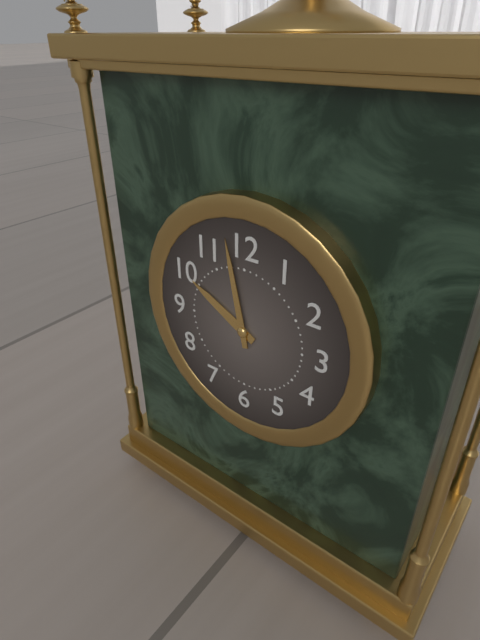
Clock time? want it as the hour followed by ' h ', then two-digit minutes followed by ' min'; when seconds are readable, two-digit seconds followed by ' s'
9 h 58 min
